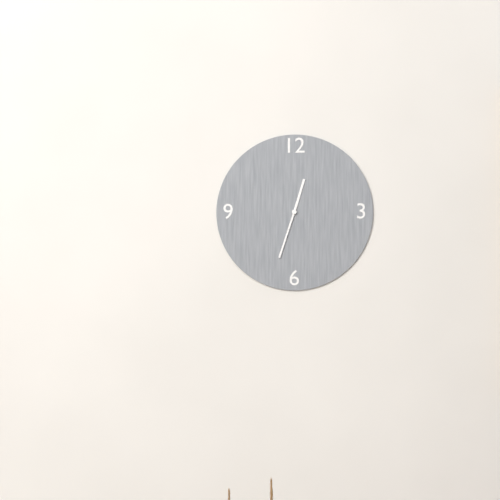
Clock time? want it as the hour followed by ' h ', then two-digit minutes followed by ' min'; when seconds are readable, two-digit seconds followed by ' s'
12 h 33 min
